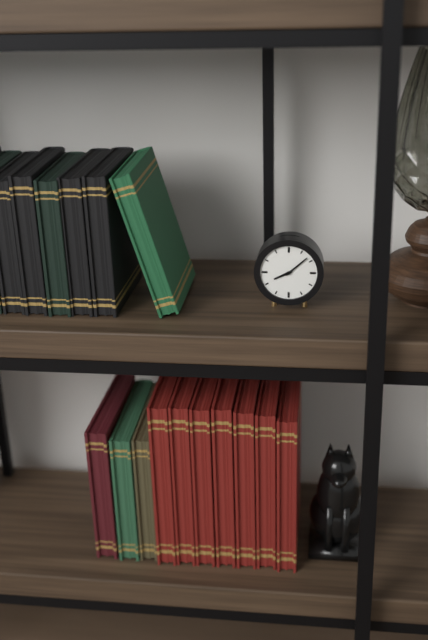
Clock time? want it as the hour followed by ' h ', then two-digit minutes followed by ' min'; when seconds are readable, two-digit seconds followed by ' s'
8 h 08 min
